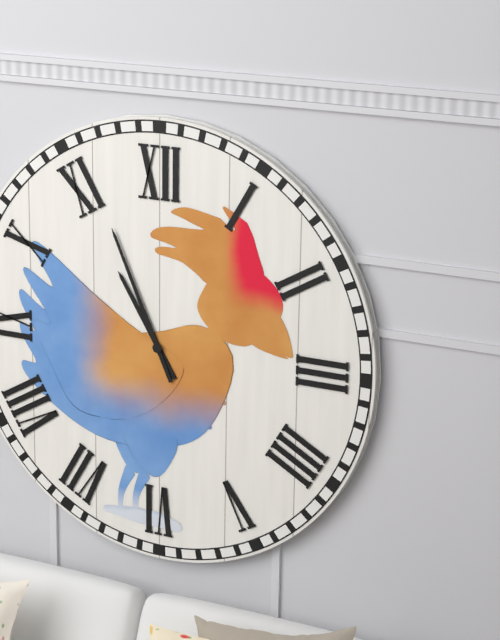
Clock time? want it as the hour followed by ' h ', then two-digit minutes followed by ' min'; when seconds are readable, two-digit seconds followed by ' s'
10 h 56 min
